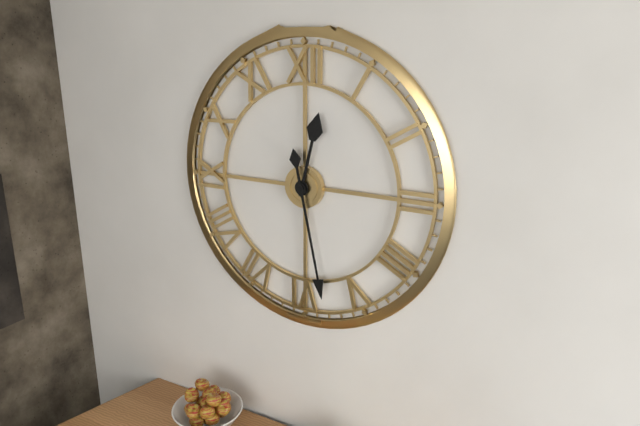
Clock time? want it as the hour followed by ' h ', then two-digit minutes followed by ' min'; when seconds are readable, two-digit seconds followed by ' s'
12 h 28 min
